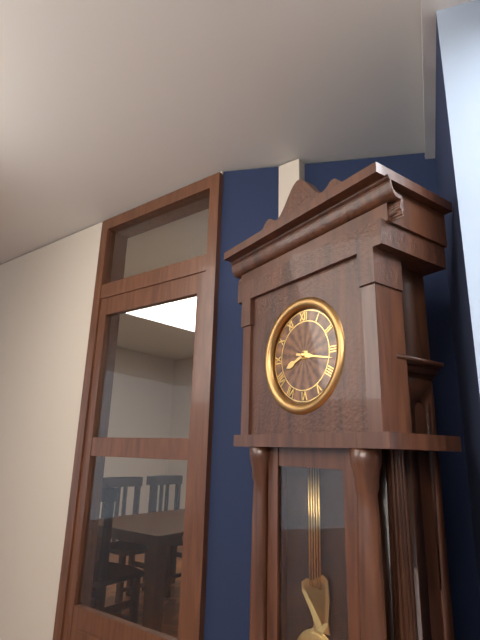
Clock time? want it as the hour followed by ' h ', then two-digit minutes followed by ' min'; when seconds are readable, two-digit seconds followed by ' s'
8 h 17 min
